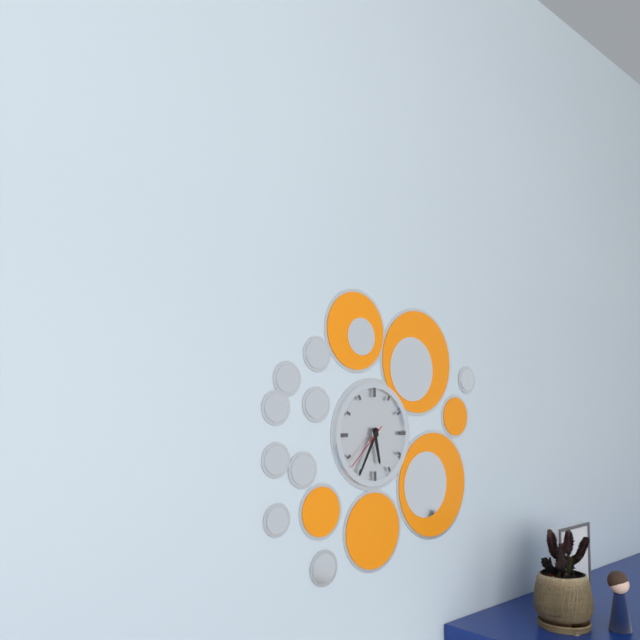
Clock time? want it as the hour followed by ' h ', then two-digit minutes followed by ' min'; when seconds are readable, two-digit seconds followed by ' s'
5 h 35 min 38 s
